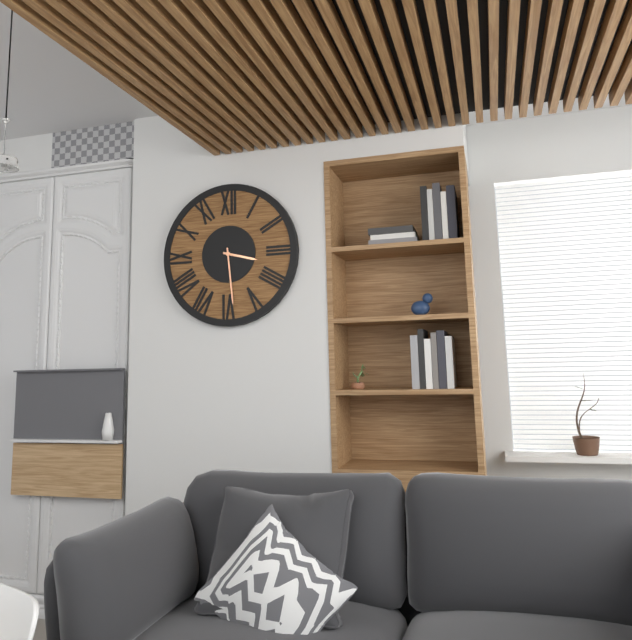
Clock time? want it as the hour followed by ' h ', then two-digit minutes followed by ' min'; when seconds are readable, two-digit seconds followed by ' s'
3 h 29 min
